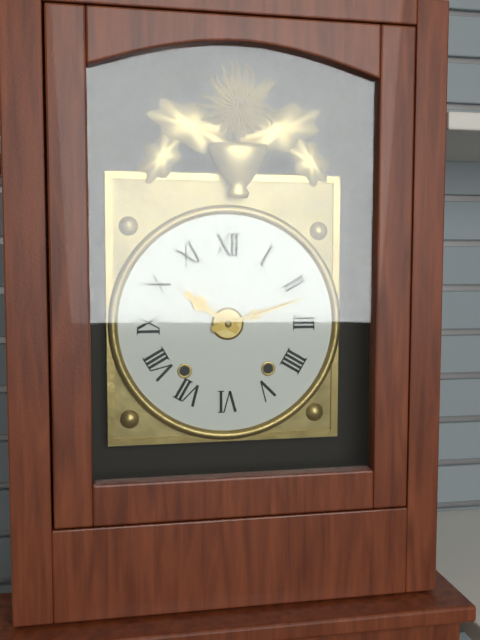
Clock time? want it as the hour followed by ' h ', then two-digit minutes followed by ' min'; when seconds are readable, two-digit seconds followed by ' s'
10 h 12 min
